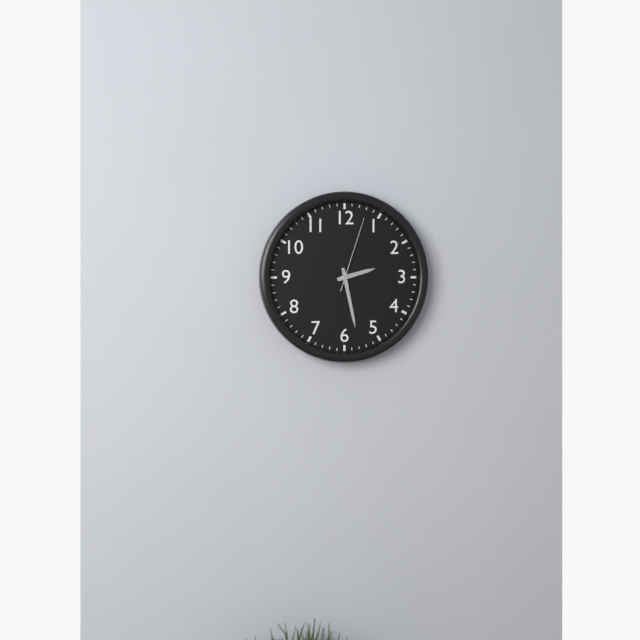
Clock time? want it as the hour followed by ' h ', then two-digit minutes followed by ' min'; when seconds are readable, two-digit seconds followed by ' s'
2 h 28 min 03 s
